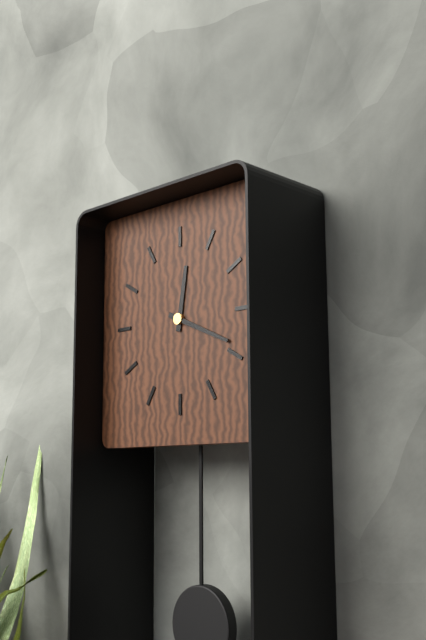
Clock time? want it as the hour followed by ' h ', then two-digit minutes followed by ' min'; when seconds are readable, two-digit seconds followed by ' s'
12 h 19 min
